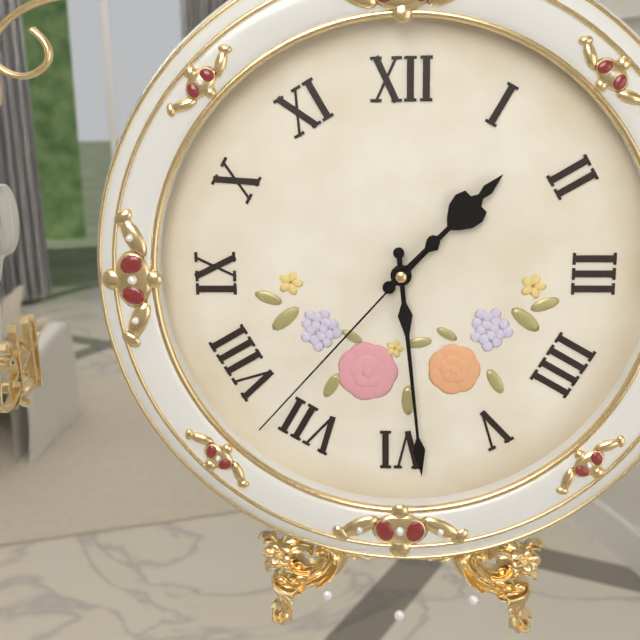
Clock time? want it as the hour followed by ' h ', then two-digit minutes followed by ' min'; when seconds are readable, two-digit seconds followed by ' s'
1 h 29 min 37 s
